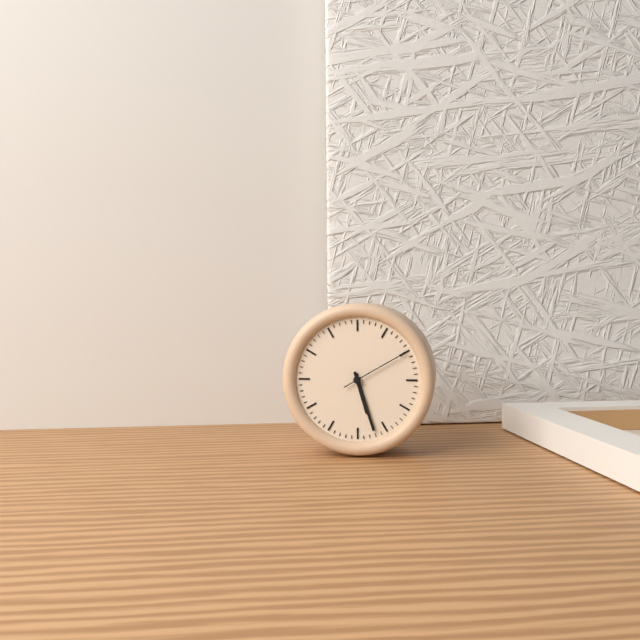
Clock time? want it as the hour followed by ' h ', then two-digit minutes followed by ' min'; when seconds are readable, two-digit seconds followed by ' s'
5 h 27 min 10 s
